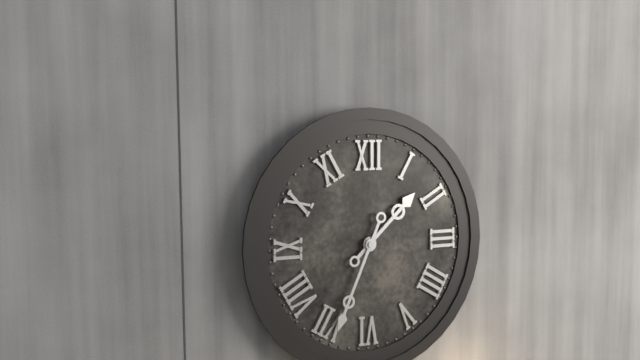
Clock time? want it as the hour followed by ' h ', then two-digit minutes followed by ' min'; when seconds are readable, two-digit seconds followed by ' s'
1 h 34 min
